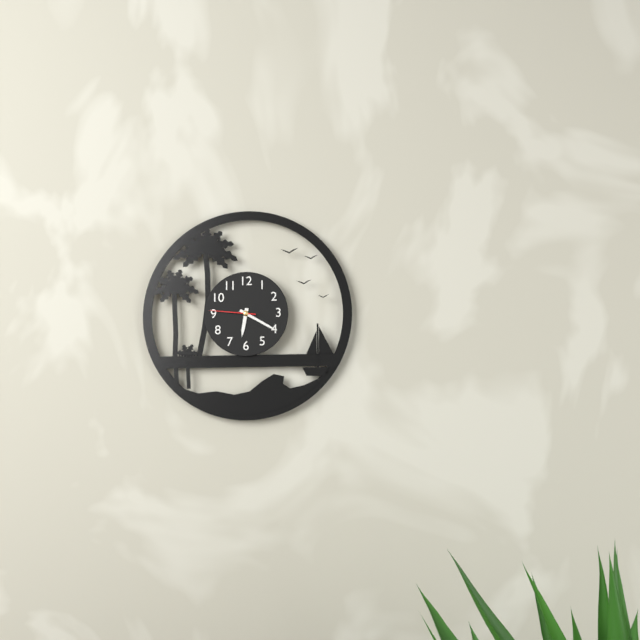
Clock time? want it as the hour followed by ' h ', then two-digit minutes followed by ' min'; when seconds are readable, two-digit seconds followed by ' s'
6 h 20 min
